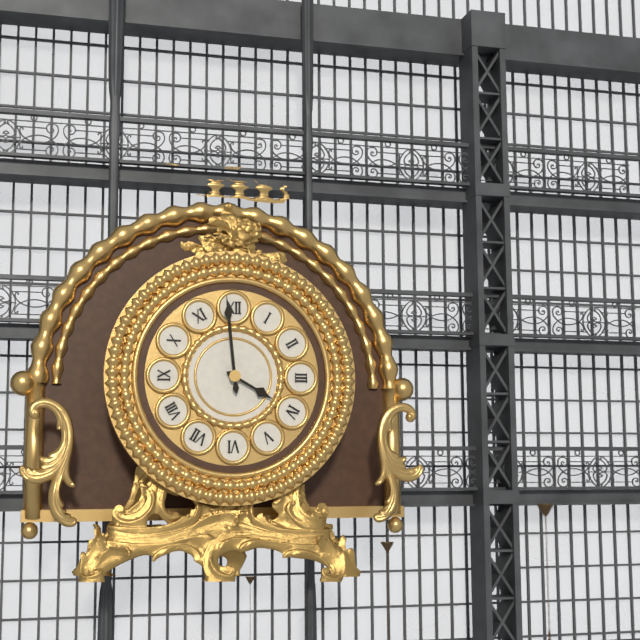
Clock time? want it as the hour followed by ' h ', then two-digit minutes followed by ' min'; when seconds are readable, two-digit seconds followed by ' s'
3 h 59 min
